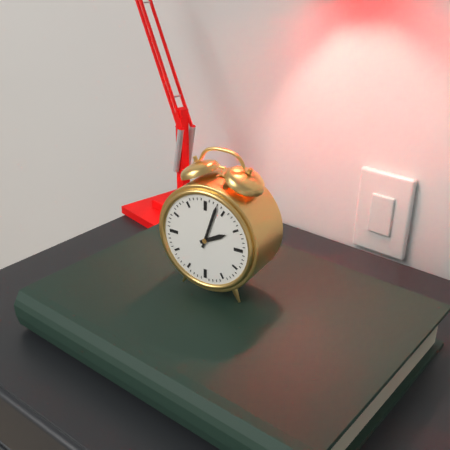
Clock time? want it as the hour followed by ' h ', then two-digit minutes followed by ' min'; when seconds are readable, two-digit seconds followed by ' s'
2 h 03 min
